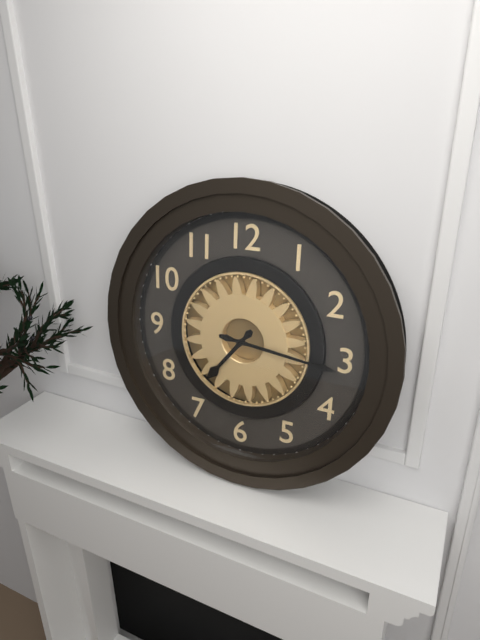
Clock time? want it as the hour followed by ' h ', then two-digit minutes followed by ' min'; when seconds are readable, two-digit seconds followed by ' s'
7 h 16 min
